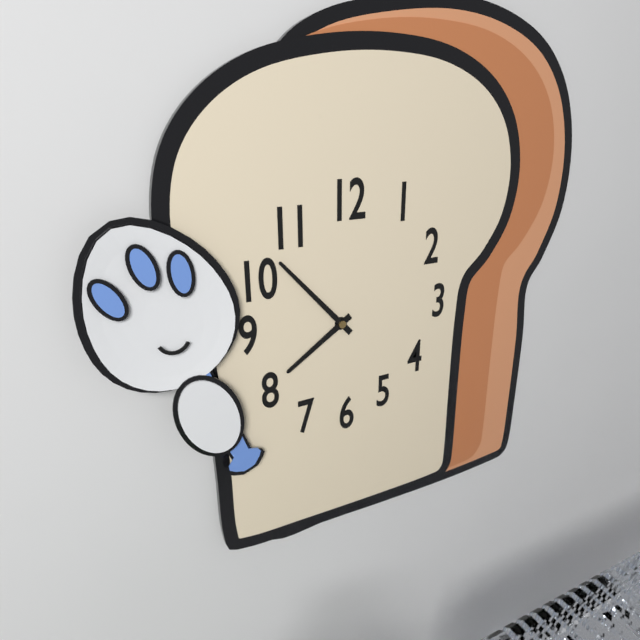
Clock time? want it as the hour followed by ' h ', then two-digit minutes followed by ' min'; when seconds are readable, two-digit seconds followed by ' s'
7 h 53 min
